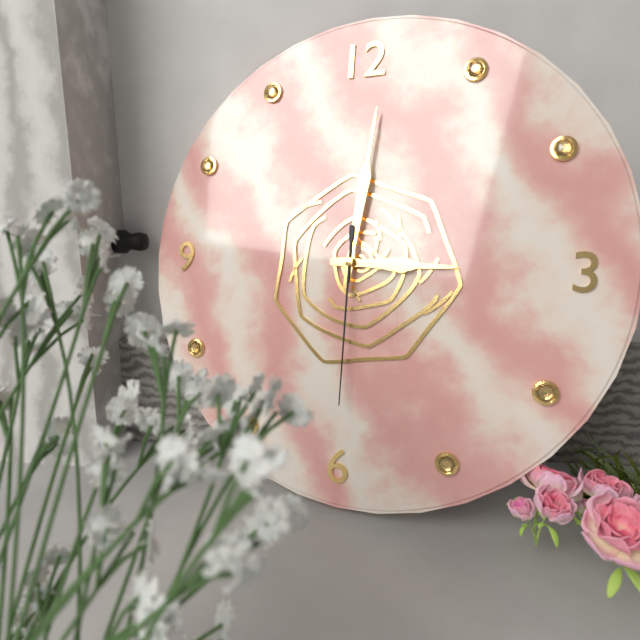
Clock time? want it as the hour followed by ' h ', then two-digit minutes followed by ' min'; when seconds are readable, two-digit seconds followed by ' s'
3 h 01 min 30 s
